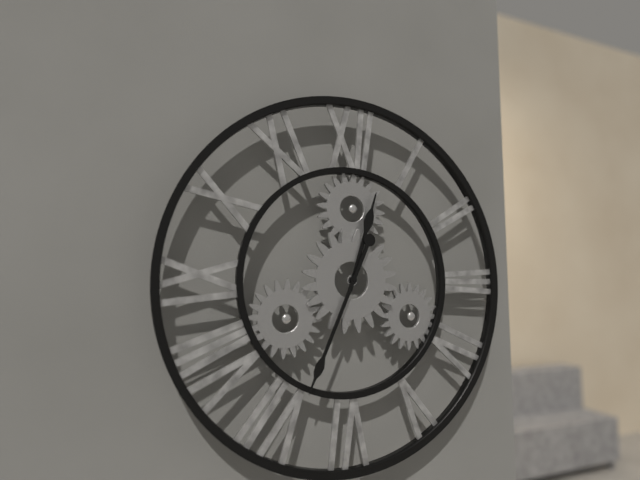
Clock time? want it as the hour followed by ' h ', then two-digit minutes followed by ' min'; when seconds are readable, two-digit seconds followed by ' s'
12 h 34 min
